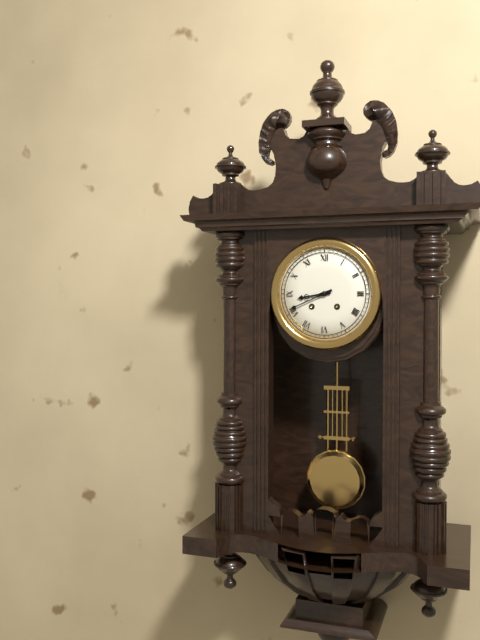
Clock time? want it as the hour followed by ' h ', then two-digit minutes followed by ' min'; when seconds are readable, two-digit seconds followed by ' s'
8 h 41 min
